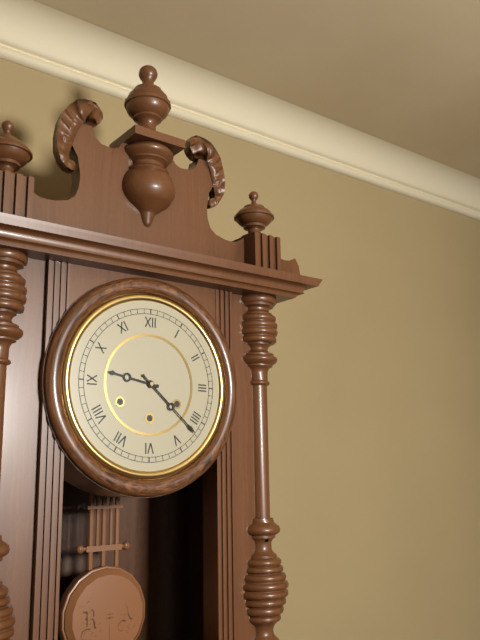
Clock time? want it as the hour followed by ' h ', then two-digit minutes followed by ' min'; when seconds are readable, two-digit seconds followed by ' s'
9 h 22 min
